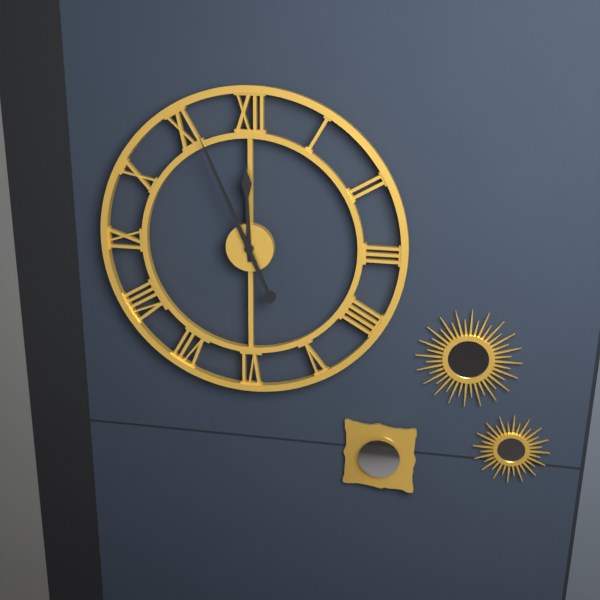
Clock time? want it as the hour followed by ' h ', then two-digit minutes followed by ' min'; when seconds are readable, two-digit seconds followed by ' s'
11 h 56 min
